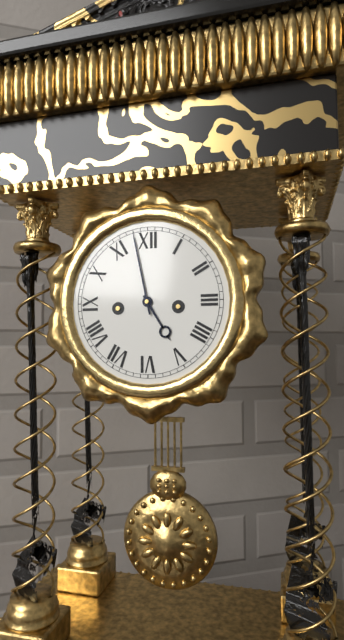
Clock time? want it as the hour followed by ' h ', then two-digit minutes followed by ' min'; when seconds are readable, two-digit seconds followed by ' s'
4 h 58 min
